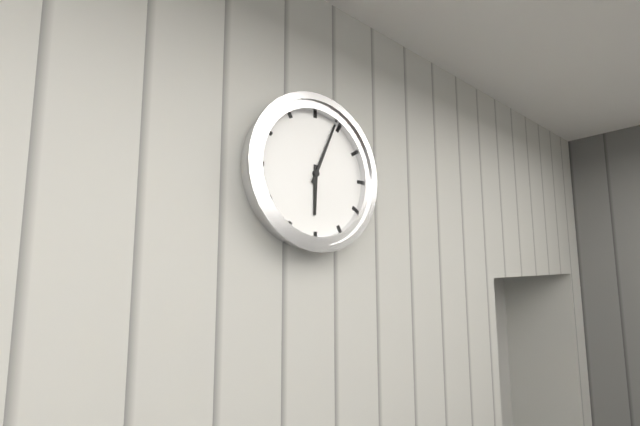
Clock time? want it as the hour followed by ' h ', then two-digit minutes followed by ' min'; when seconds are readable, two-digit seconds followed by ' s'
6 h 04 min
